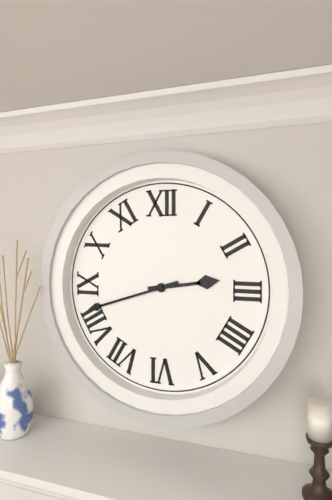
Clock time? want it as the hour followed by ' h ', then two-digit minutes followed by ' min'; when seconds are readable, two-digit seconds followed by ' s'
2 h 42 min
